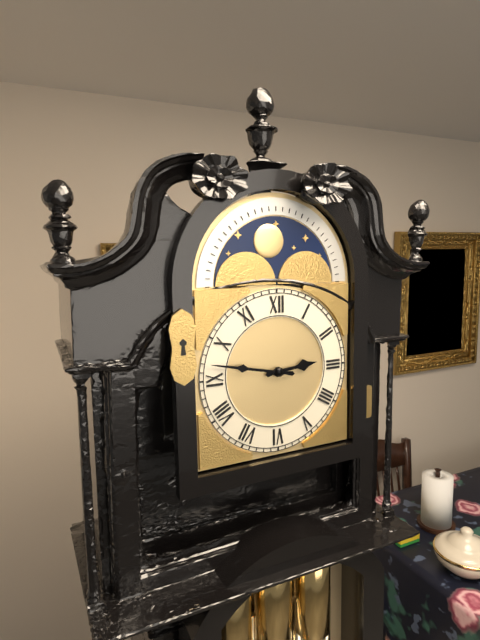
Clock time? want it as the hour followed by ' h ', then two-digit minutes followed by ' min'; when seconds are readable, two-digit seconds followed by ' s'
2 h 47 min
